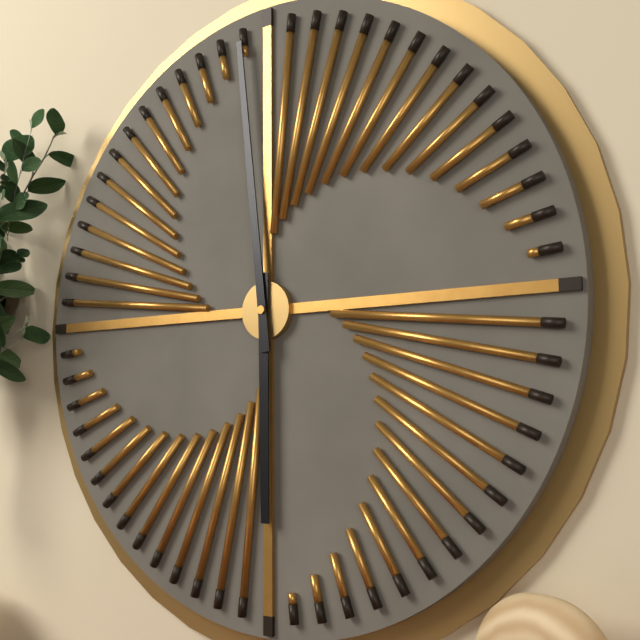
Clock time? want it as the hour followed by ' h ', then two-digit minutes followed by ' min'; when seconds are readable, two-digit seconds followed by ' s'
5 h 59 min
